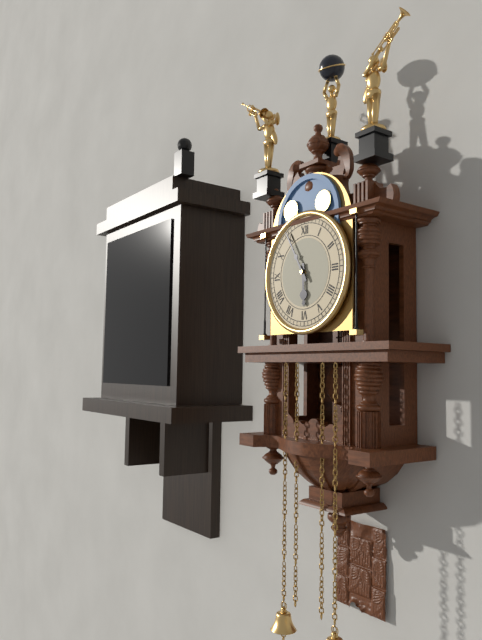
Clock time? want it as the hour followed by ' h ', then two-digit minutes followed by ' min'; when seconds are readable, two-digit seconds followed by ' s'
5 h 55 min
